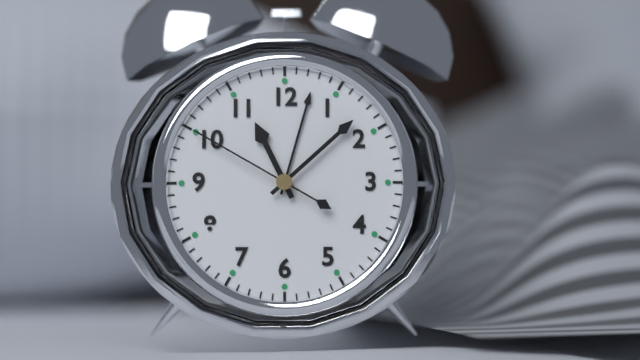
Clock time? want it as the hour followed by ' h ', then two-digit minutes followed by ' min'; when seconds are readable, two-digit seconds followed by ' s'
11 h 08 min 50 s
